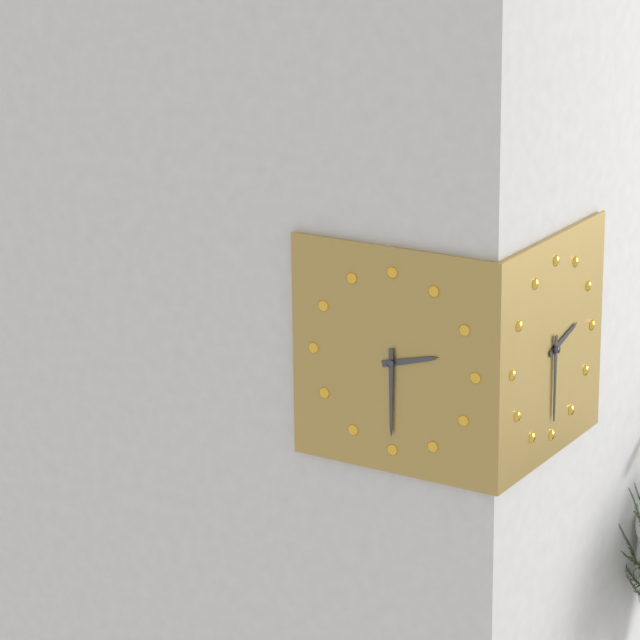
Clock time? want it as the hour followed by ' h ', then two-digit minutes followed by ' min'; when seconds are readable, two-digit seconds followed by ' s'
2 h 30 min
